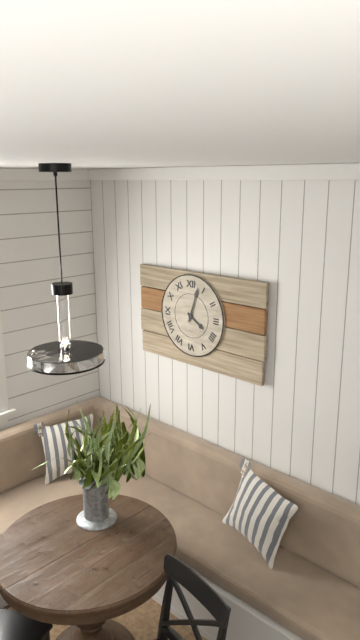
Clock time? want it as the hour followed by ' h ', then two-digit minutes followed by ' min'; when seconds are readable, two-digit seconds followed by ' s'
4 h 03 min
